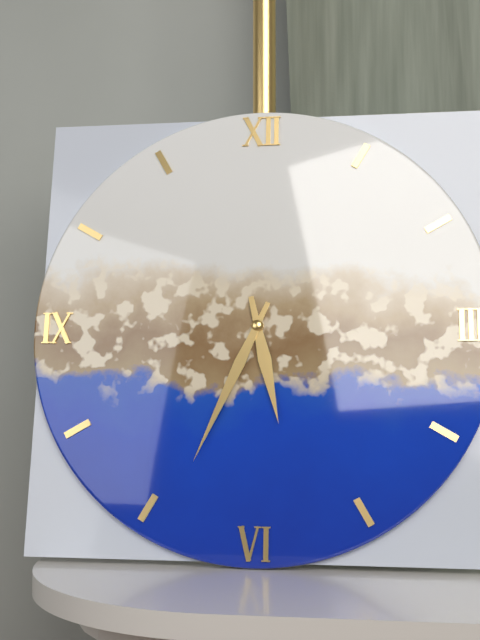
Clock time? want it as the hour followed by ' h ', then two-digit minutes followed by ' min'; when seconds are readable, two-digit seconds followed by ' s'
5 h 34 min
